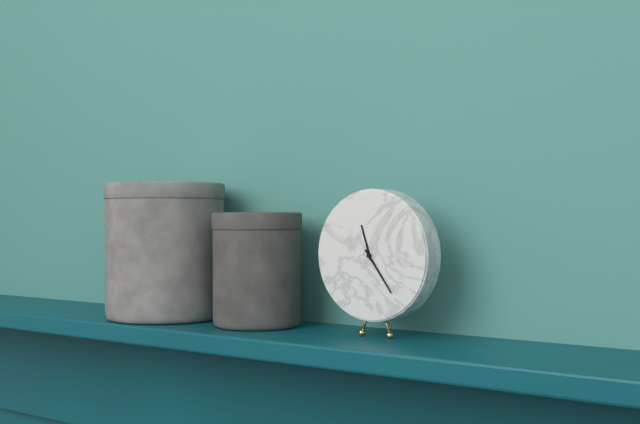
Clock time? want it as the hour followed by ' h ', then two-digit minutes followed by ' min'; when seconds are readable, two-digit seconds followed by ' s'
11 h 24 min
